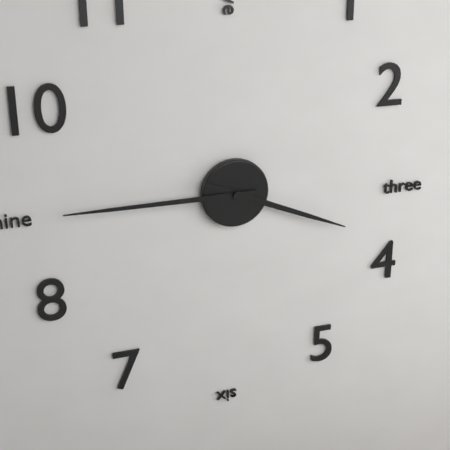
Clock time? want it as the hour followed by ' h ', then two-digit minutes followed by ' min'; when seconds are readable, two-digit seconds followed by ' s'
3 h 45 min
